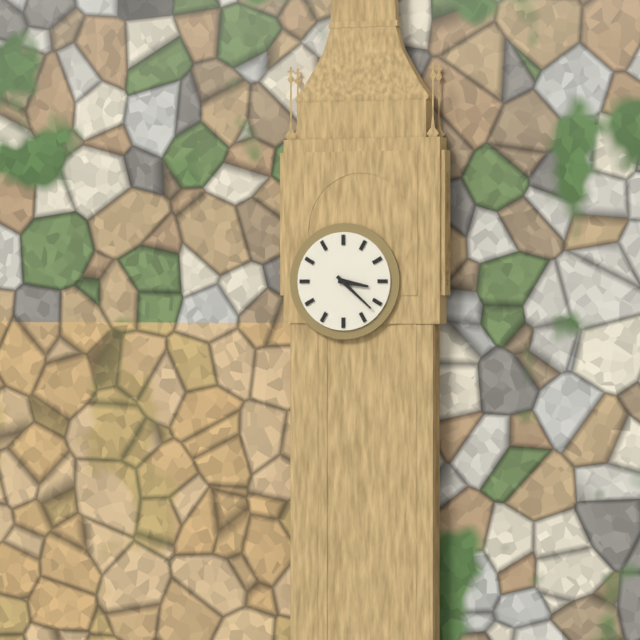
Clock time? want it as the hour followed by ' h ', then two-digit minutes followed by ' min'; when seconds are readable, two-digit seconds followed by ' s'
3 h 22 min
